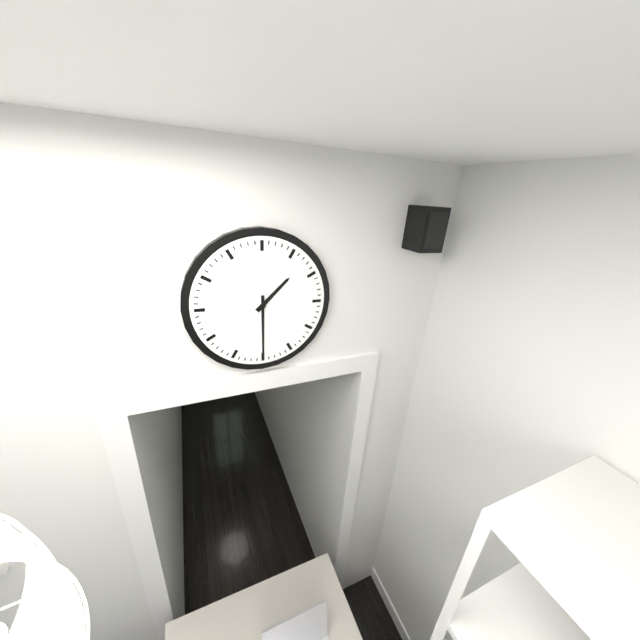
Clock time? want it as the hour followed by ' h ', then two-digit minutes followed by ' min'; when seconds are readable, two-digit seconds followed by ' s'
1 h 30 min
